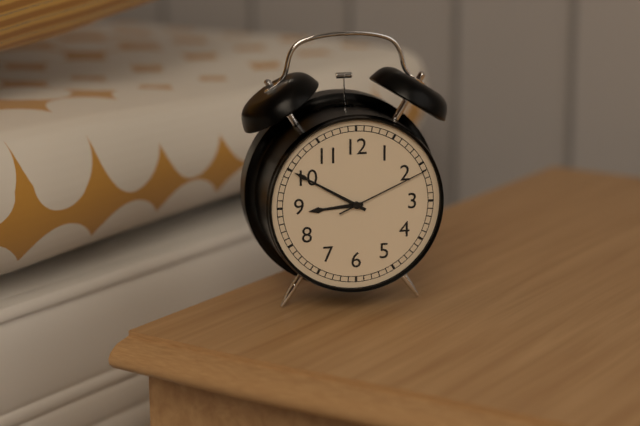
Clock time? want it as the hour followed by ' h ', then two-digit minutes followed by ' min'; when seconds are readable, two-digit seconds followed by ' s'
8 h 50 min 11 s
